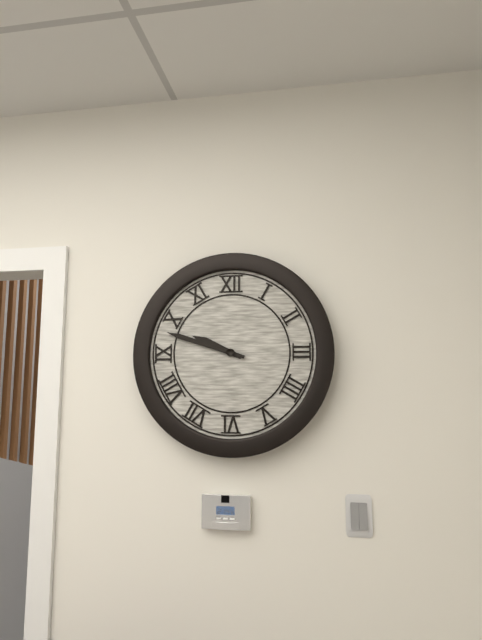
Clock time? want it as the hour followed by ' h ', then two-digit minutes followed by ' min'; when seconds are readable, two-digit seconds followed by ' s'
9 h 48 min
